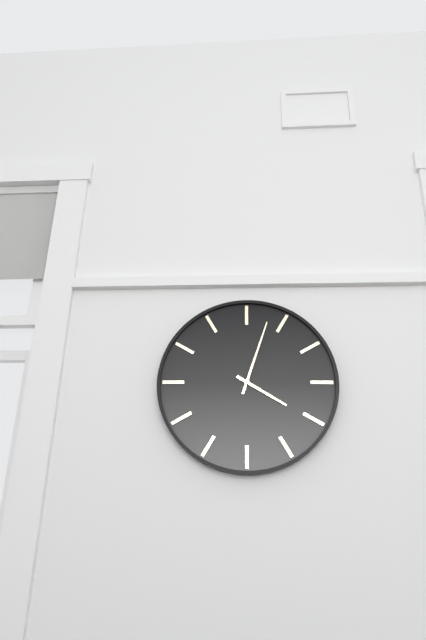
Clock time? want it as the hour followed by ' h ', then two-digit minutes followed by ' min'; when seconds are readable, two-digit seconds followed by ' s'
4 h 03 min
